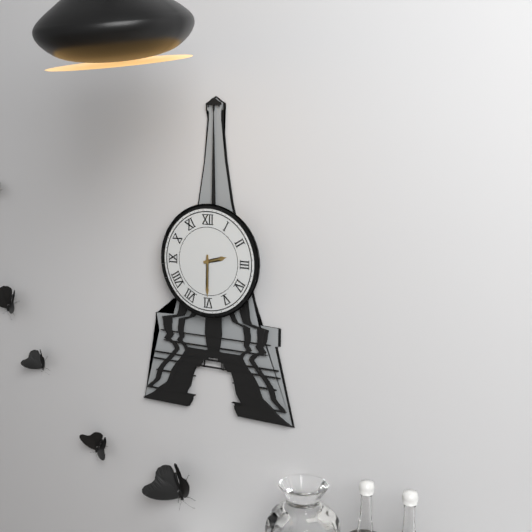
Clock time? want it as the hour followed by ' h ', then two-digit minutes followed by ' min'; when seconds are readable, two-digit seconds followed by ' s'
2 h 30 min
